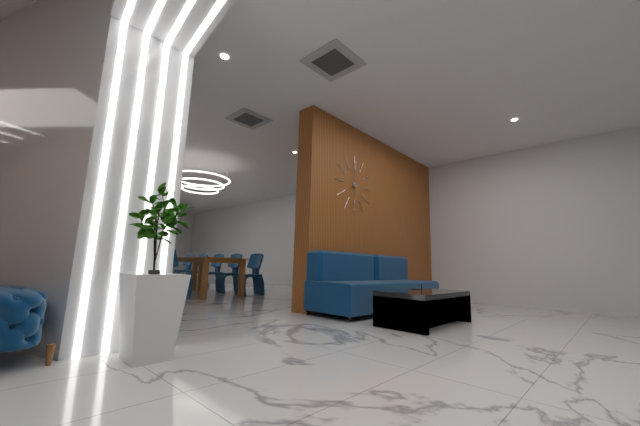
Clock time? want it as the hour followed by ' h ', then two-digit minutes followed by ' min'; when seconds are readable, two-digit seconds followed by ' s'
6 h 00 min
